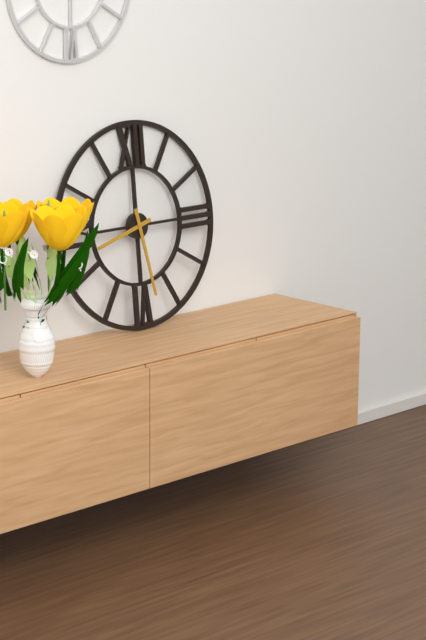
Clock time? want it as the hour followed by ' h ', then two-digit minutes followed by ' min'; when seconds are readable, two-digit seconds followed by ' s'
8 h 28 min
